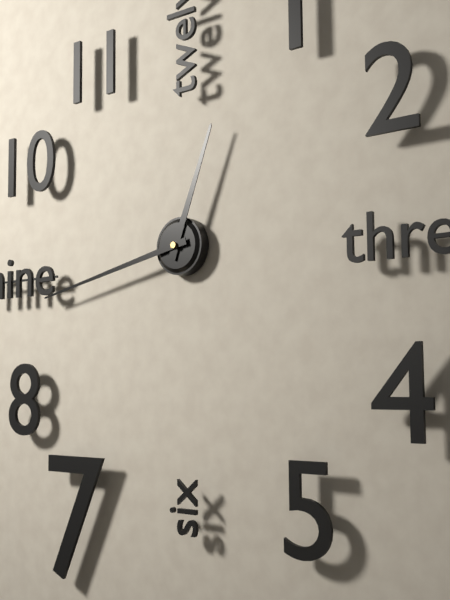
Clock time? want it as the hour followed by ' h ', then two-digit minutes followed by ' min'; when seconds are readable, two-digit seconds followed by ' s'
12 h 43 min
